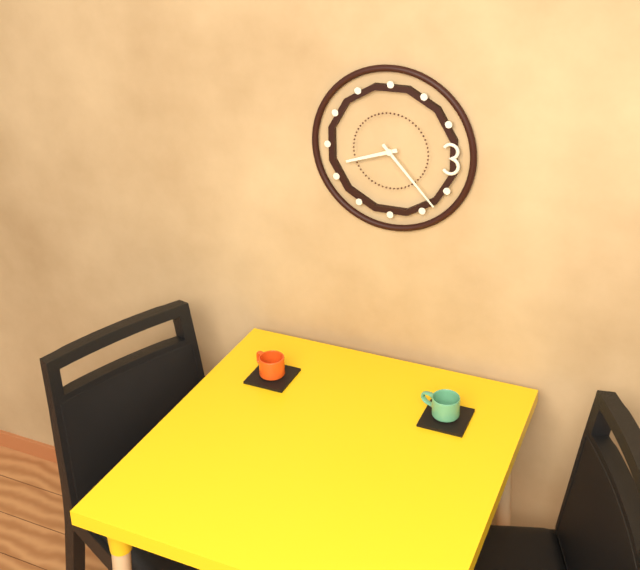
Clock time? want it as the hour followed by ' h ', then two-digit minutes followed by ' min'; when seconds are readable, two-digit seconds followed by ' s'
8 h 23 min
